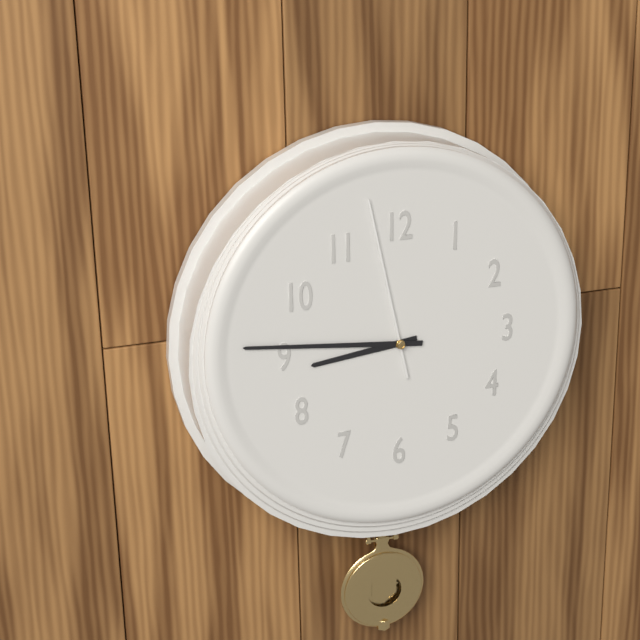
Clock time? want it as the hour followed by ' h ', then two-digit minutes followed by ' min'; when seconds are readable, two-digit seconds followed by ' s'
8 h 46 min 58 s
